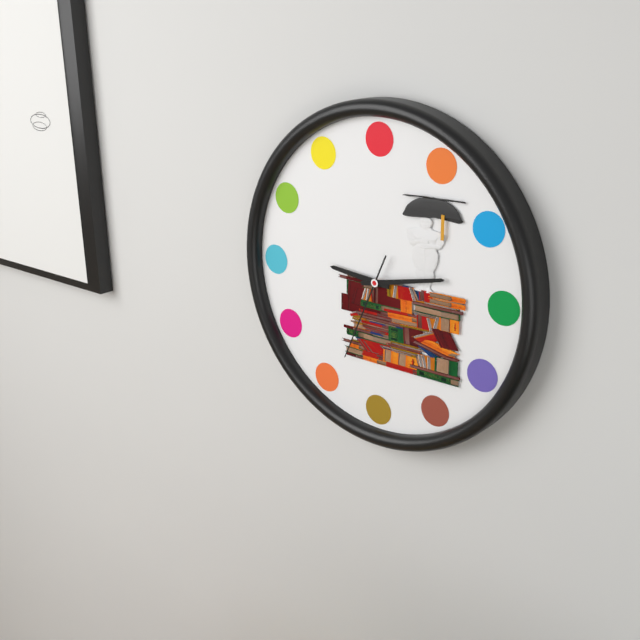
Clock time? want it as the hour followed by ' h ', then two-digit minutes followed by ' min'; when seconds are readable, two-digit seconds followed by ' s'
9 h 13 min 34 s
